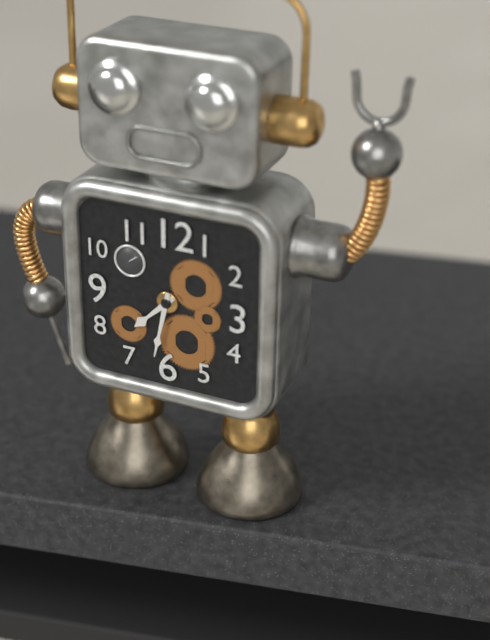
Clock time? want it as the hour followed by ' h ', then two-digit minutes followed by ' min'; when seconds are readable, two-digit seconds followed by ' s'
7 h 32 min
